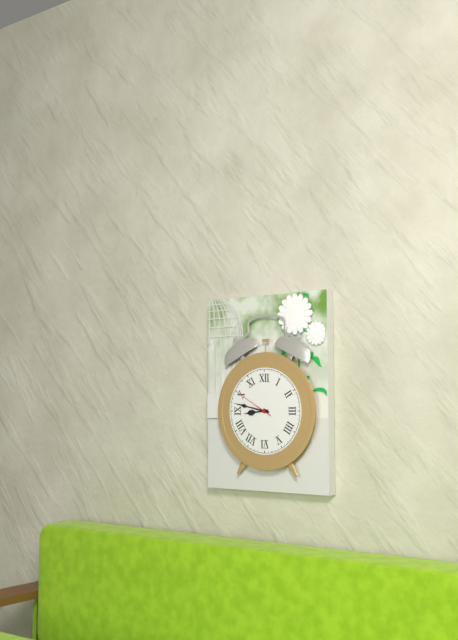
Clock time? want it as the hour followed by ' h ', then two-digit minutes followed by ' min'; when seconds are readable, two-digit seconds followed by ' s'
8 h 47 min
